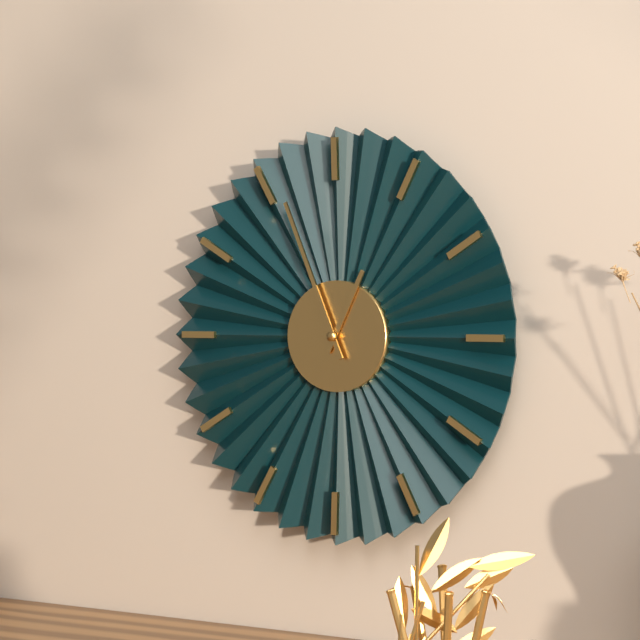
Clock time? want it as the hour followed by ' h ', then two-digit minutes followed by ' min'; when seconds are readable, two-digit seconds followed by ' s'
12 h 56 min
